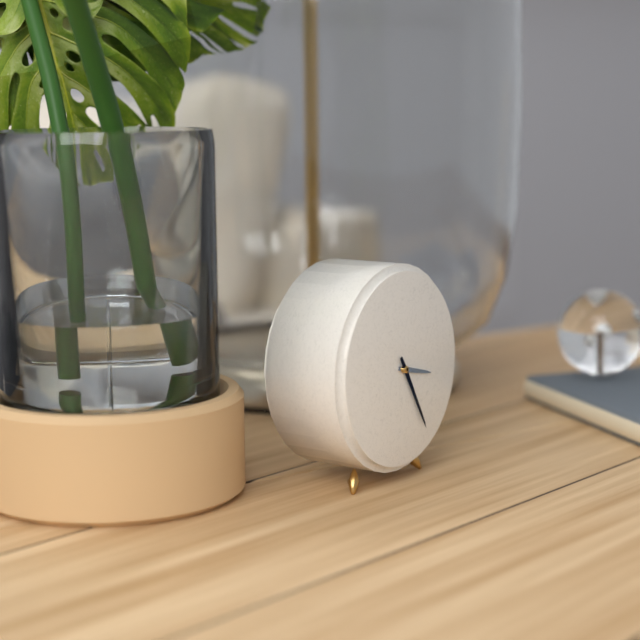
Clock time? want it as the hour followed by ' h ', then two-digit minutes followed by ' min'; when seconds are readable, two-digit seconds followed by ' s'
3 h 25 min
